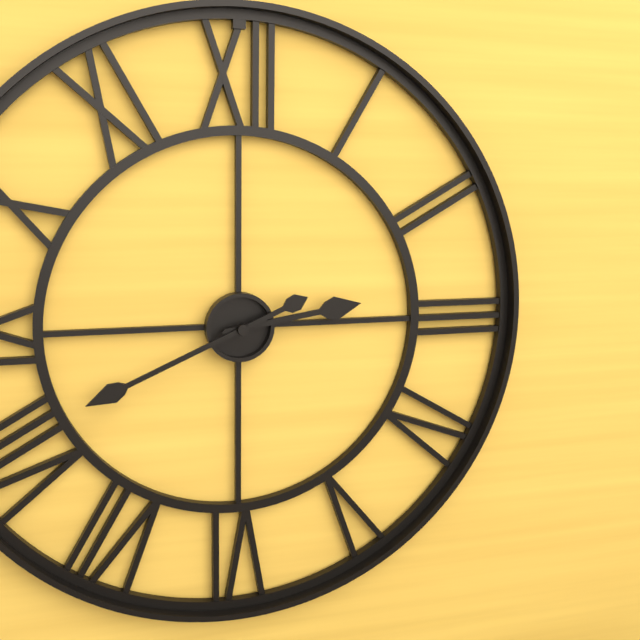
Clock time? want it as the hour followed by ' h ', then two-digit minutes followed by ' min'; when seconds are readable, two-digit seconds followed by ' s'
2 h 41 min
